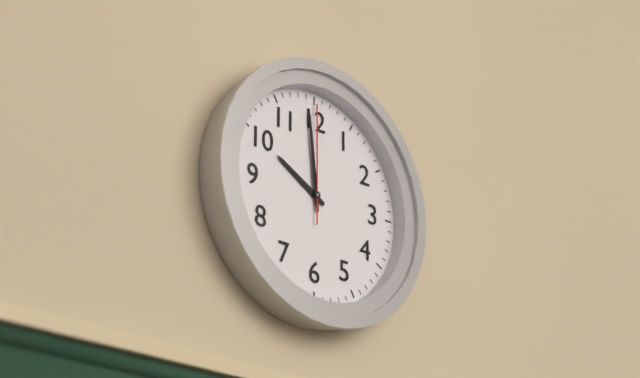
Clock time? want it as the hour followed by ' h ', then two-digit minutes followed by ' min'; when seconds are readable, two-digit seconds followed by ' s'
9 h 59 min 00 s
